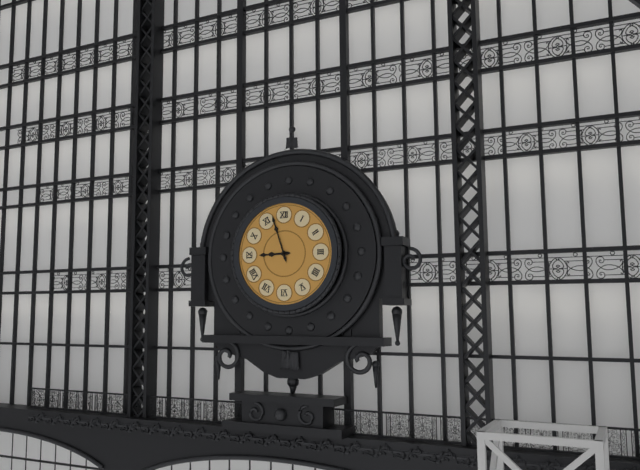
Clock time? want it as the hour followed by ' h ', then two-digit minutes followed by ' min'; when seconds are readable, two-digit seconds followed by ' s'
8 h 57 min
